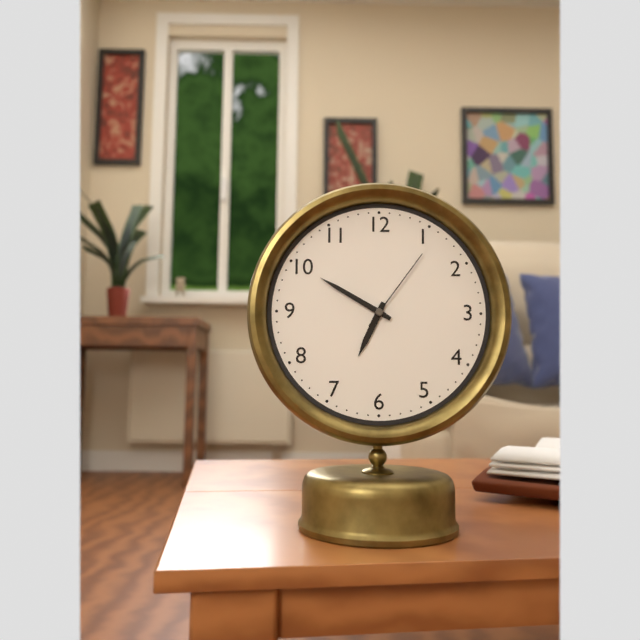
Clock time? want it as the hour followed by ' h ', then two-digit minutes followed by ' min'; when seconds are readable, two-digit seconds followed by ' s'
6 h 50 min 06 s
